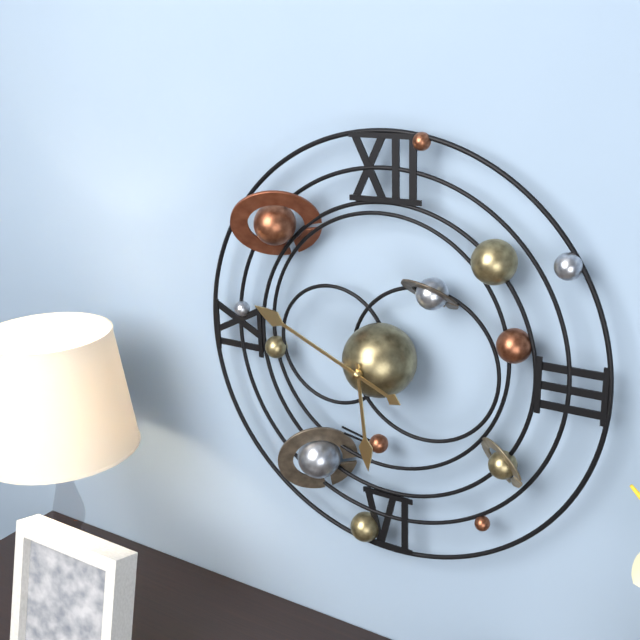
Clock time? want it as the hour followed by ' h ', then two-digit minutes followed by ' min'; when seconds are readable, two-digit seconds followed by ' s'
5 h 49 min
